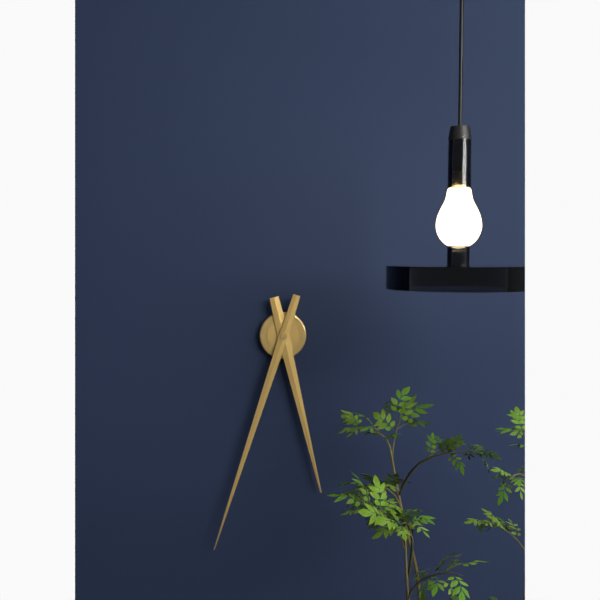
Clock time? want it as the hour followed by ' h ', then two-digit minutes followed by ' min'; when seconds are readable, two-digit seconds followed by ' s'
5 h 33 min
